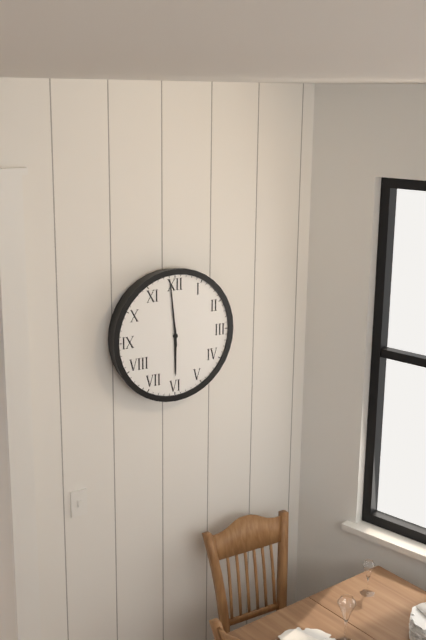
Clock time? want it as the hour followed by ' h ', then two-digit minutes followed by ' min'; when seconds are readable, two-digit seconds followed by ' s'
5 h 59 min
